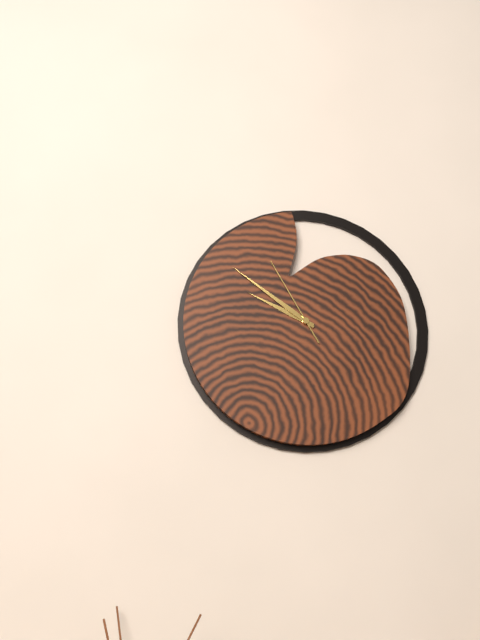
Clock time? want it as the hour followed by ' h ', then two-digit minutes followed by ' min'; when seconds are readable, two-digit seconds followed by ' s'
9 h 51 min 55 s
